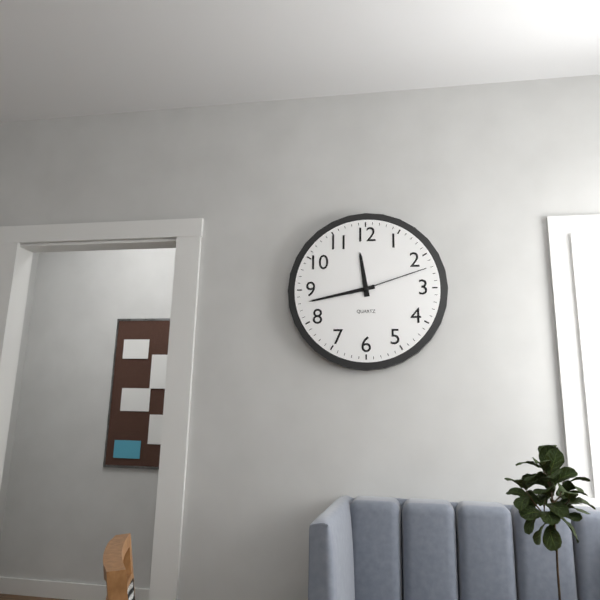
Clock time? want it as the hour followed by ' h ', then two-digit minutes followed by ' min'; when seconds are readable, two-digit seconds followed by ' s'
11 h 43 min 12 s
